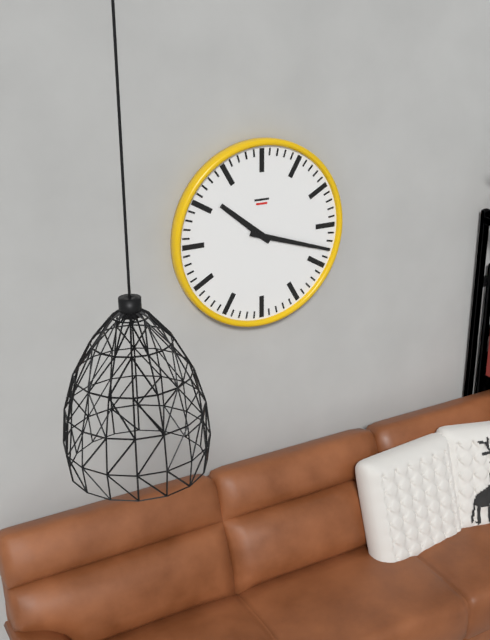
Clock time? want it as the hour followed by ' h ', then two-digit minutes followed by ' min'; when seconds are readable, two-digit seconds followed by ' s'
10 h 18 min
